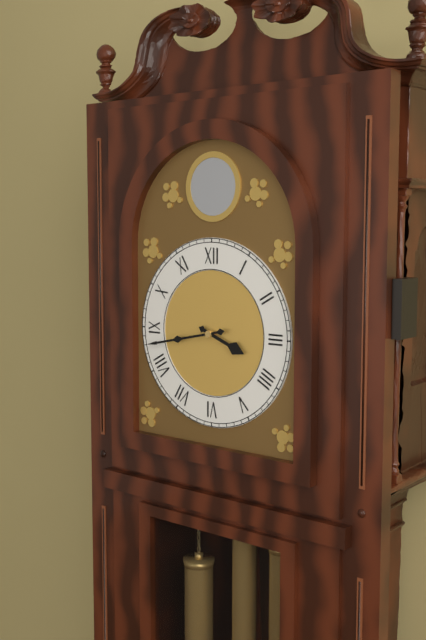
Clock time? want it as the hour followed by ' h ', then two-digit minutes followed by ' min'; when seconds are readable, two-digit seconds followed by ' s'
3 h 43 min
